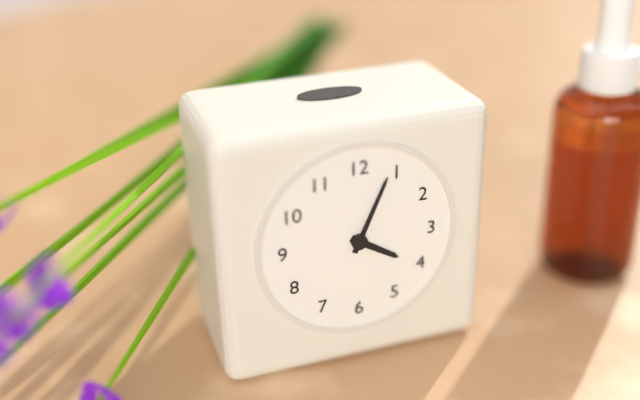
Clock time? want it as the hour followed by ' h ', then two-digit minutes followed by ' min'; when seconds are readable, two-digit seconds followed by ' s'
4 h 04 min
